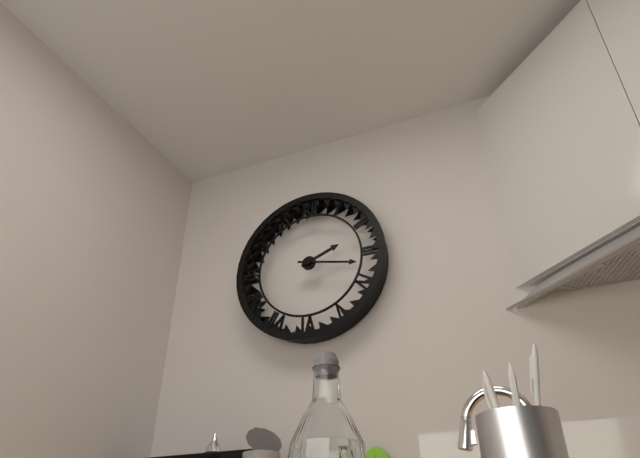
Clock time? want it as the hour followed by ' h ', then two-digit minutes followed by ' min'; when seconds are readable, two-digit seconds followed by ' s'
2 h 17 min
